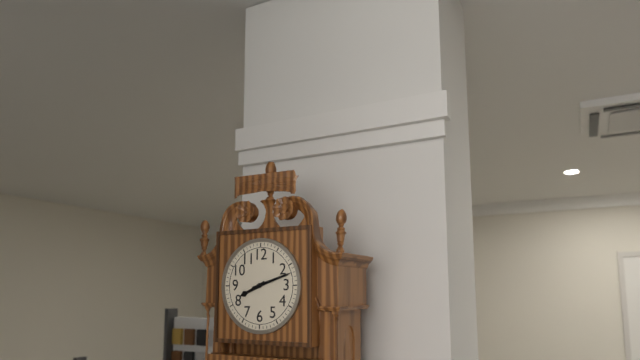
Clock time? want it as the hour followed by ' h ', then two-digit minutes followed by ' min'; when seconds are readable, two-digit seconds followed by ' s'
8 h 12 min
